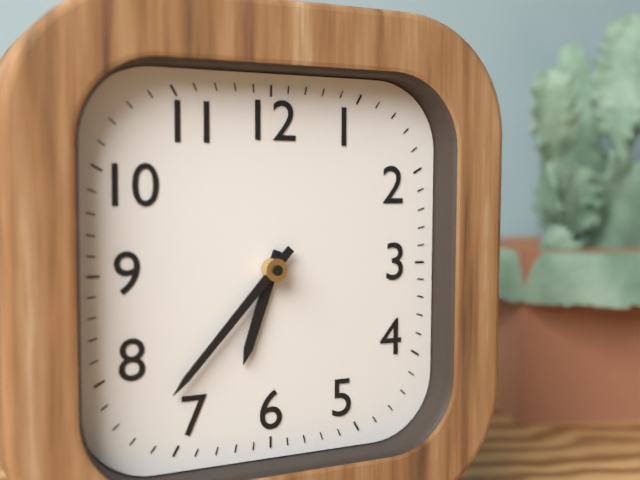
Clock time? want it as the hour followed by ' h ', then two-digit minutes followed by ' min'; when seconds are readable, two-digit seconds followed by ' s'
6 h 37 min
